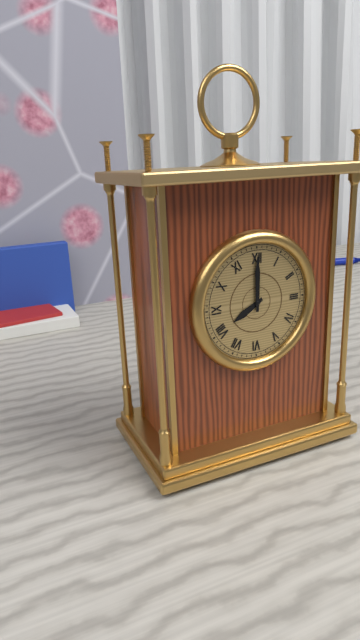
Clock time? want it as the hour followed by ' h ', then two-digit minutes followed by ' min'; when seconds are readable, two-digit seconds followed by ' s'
8 h 00 min
